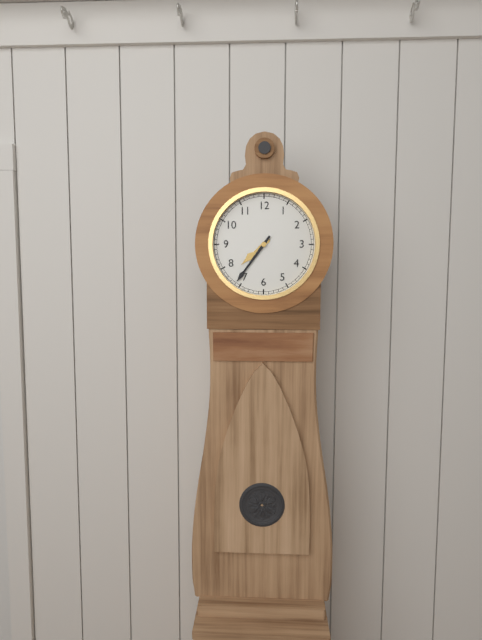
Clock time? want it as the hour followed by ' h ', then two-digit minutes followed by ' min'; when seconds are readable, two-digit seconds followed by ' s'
7 h 36 min
